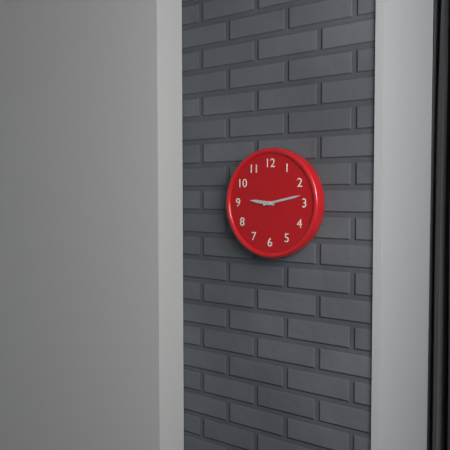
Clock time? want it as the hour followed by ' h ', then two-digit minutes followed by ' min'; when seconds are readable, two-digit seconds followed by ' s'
9 h 13 min
